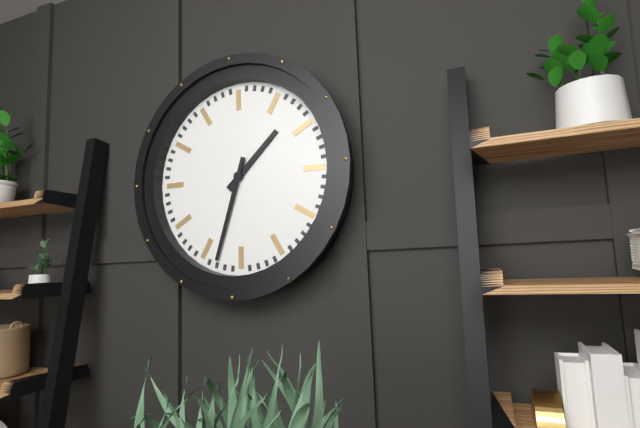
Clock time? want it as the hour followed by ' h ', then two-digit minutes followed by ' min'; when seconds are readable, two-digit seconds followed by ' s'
1 h 33 min
